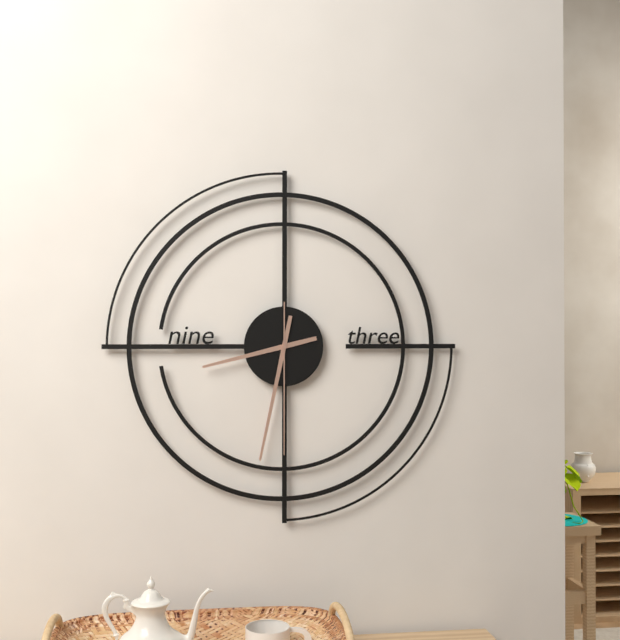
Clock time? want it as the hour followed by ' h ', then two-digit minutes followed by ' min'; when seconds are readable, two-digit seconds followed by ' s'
8 h 32 min 30 s
